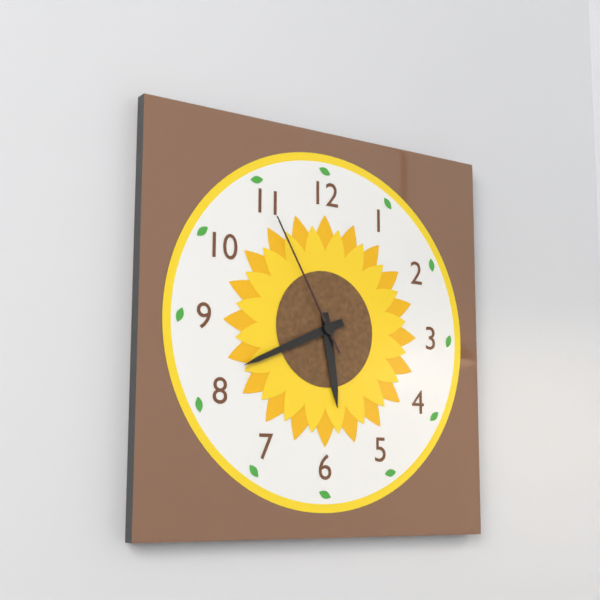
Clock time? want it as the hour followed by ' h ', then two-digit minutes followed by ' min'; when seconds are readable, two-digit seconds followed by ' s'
5 h 41 min 55 s
